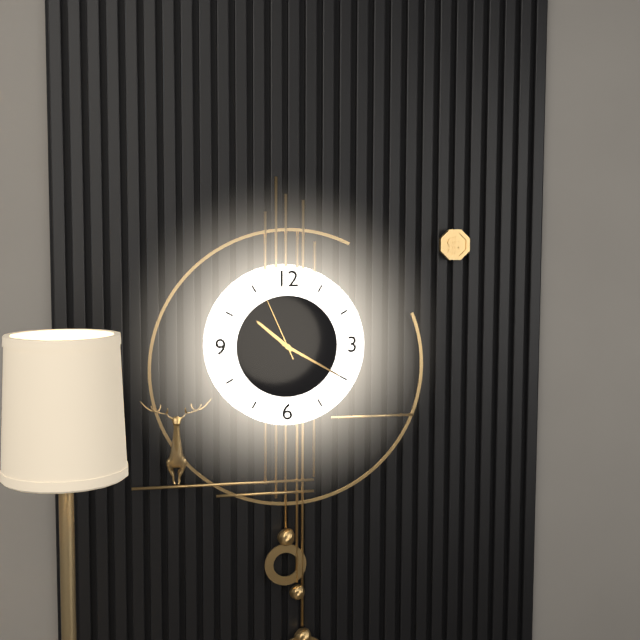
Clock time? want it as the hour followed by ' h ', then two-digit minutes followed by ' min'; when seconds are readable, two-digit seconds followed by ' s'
10 h 20 min 56 s
